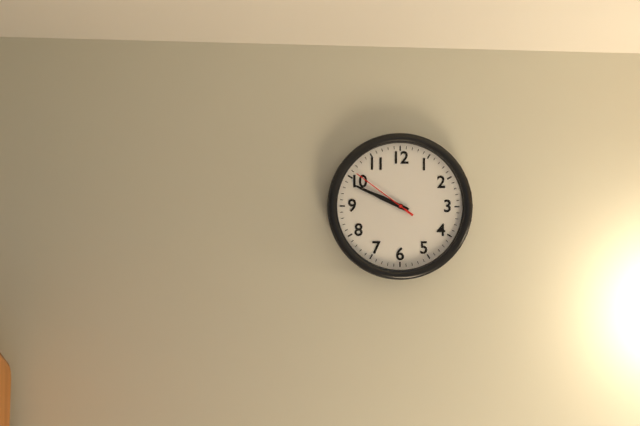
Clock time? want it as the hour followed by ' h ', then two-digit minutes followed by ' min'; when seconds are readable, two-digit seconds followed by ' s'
9 h 49 min 51 s
